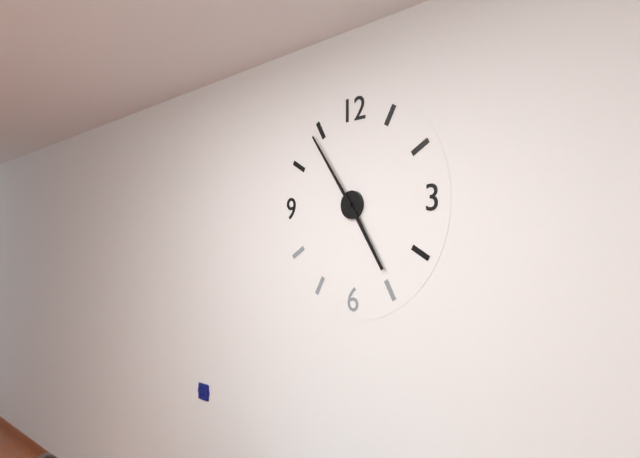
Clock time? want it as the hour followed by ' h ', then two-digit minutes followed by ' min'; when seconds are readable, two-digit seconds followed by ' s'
4 h 54 min
